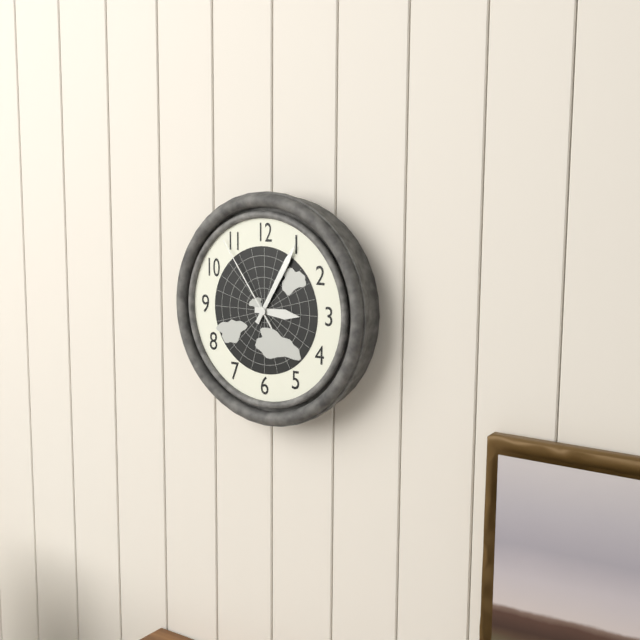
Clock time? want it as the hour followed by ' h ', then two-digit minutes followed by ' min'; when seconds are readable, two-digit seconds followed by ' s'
3 h 05 min 54 s
